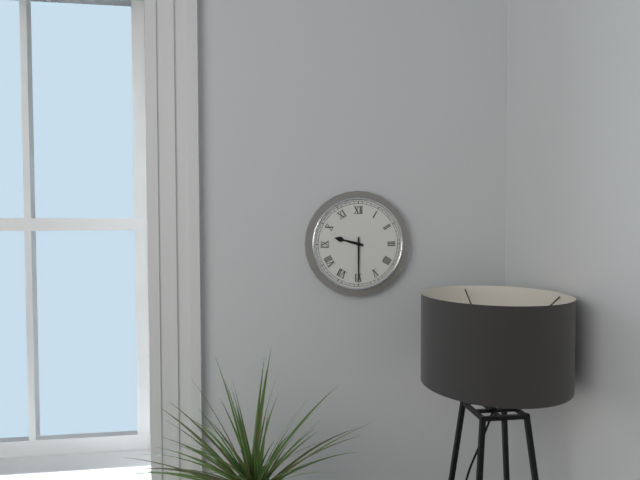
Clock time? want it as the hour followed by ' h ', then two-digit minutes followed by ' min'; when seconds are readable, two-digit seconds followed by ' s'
9 h 30 min
